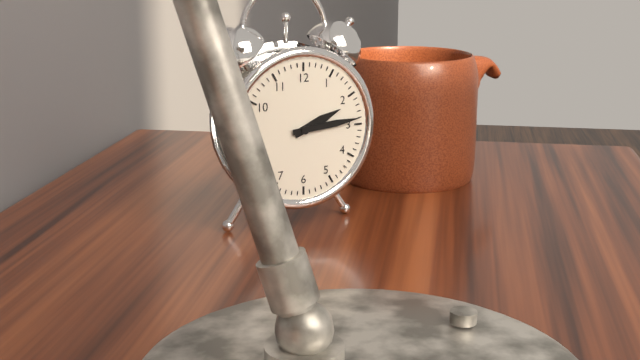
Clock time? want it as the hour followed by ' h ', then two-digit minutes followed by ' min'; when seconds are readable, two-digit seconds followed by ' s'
2 h 14 min
